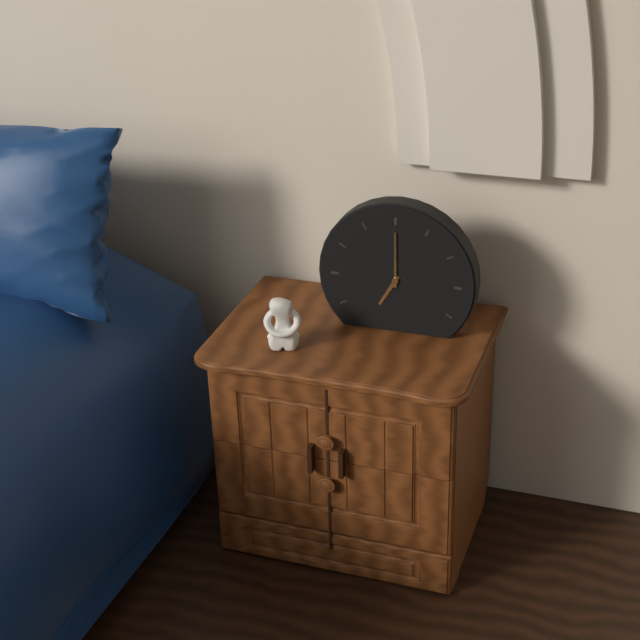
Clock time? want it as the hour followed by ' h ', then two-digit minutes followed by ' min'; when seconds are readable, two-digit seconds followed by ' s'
7 h 00 min
